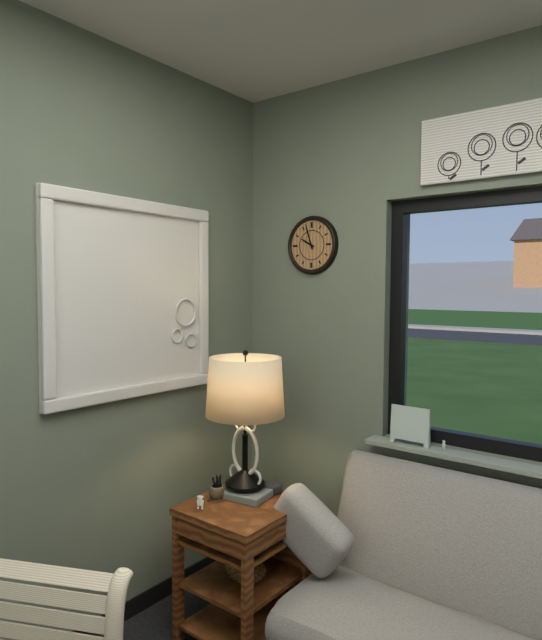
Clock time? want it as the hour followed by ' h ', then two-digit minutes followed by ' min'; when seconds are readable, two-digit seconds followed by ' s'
9 h 57 min
